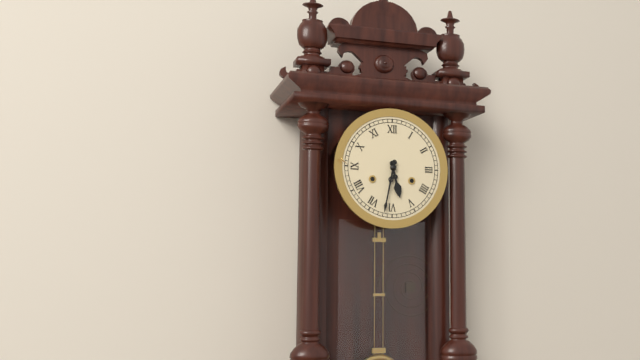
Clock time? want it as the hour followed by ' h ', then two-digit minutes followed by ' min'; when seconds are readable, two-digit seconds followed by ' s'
5 h 32 min
